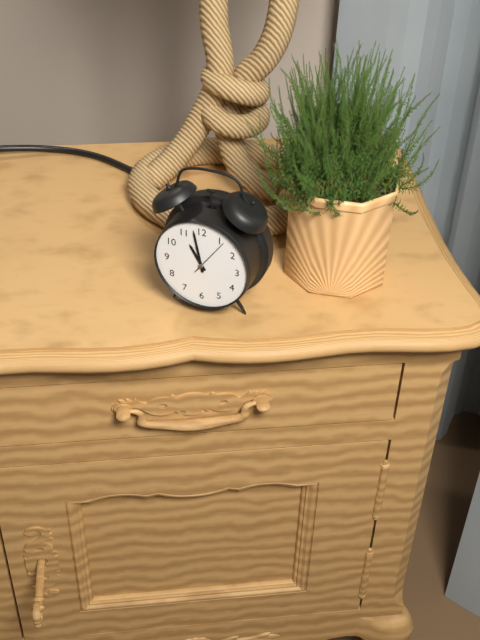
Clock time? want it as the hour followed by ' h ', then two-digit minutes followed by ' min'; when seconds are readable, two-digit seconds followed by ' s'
10 h 58 min
